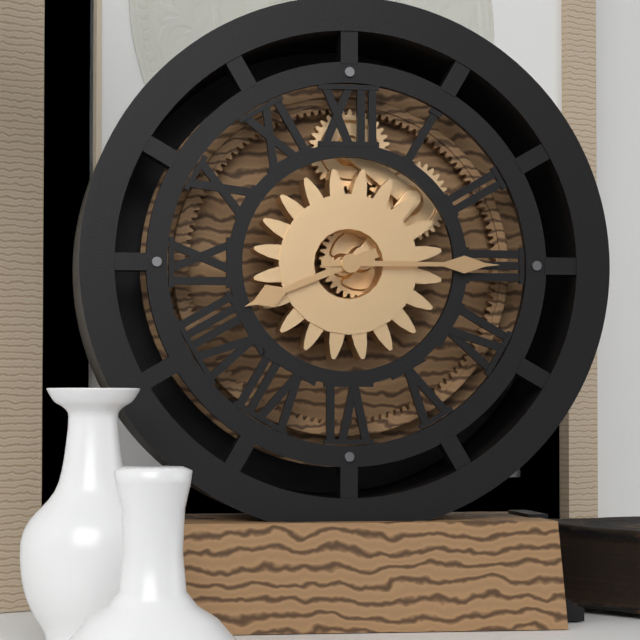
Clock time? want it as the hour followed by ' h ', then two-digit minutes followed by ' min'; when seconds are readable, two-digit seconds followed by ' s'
8 h 15 min
